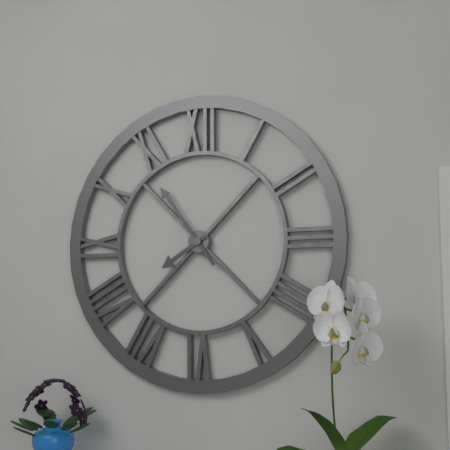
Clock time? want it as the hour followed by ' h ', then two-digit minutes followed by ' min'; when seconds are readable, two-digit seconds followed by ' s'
7 h 54 min
